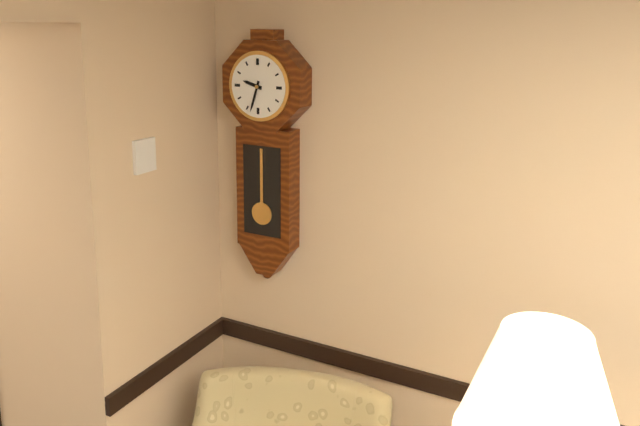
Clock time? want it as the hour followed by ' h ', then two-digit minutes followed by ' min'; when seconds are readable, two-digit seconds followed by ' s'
9 h 33 min
